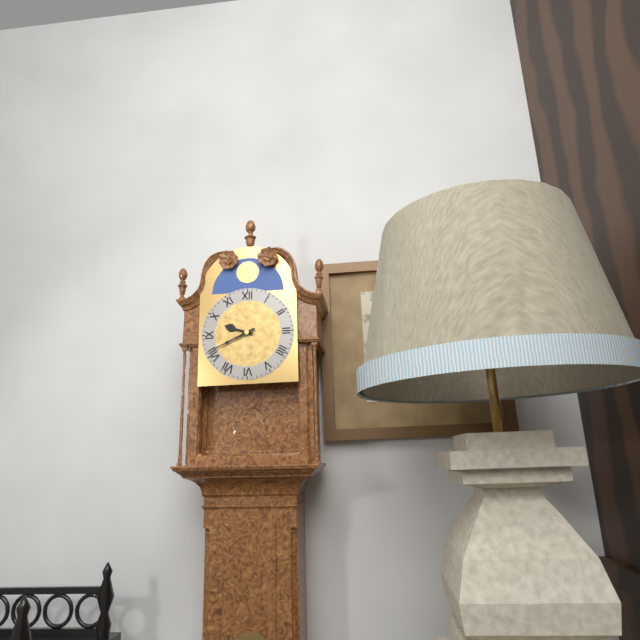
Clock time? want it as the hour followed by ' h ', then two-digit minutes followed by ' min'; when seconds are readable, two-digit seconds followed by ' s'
9 h 41 min
